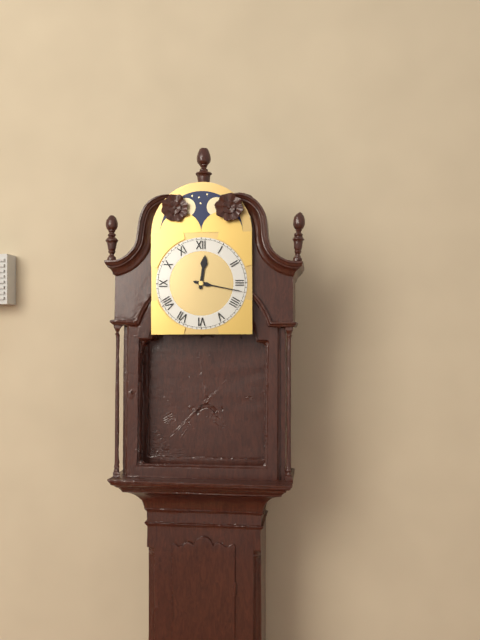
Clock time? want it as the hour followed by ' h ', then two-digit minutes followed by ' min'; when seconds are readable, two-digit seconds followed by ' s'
12 h 17 min
